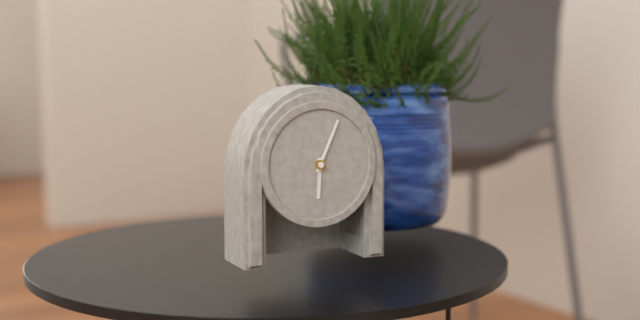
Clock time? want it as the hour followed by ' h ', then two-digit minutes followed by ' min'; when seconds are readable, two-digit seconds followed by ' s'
6 h 04 min
